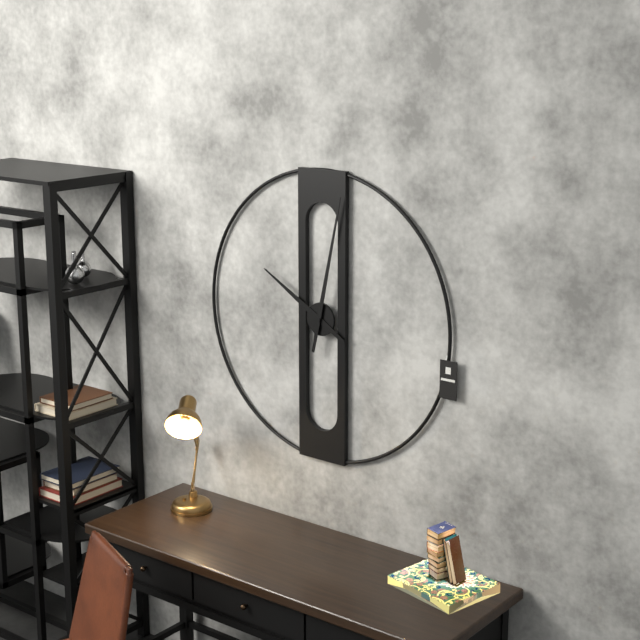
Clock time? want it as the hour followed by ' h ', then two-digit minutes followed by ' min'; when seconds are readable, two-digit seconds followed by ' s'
10 h 02 min
